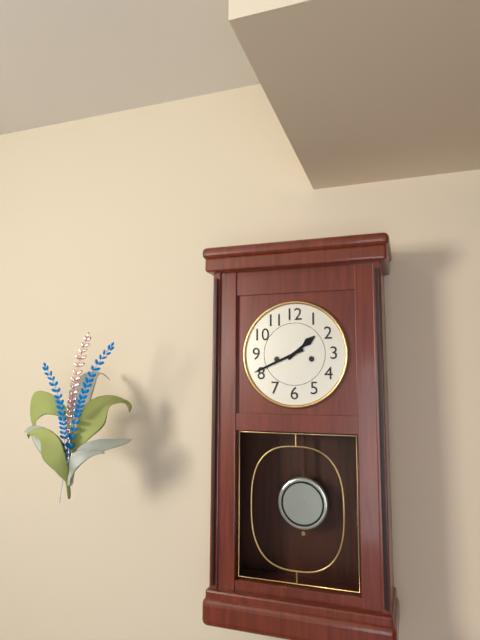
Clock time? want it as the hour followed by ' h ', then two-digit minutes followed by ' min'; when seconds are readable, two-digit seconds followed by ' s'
1 h 41 min
